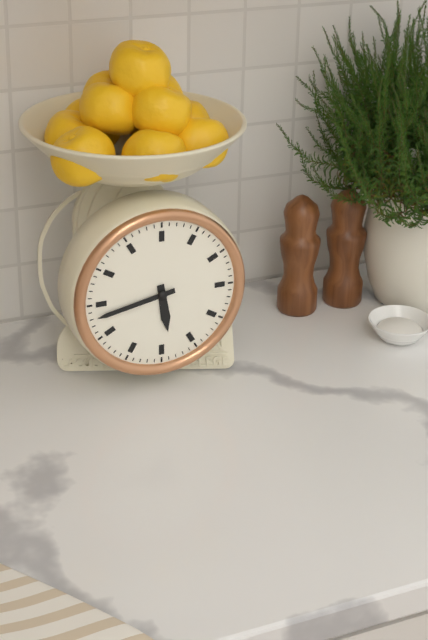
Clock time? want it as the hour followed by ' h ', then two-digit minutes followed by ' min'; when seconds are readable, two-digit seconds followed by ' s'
5 h 43 min
